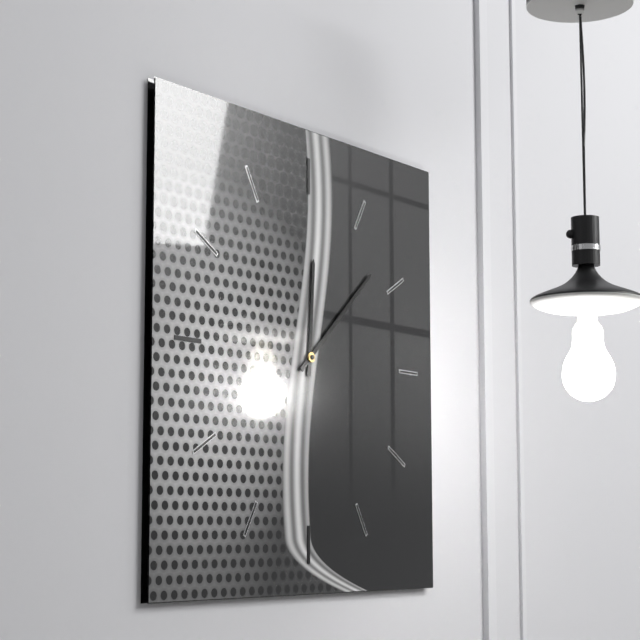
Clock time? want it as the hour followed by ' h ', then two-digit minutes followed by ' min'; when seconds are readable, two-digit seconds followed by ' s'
12 h 08 min
